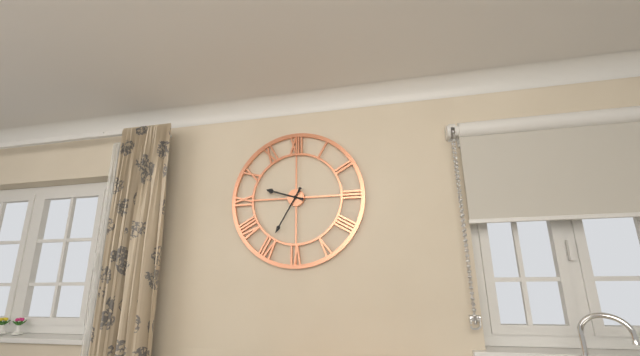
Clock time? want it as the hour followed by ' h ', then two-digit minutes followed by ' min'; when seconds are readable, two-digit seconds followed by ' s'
9 h 35 min
